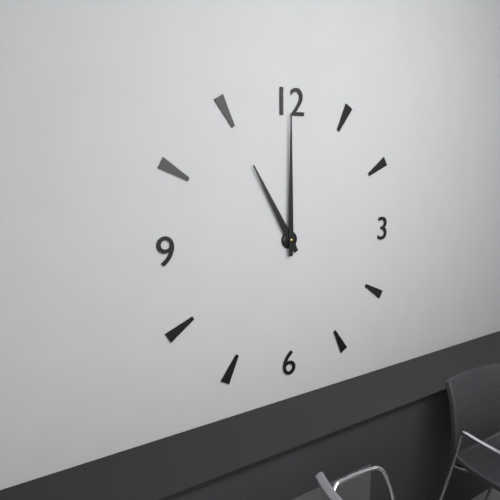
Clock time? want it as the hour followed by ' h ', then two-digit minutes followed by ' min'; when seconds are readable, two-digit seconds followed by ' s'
11 h 00 min
